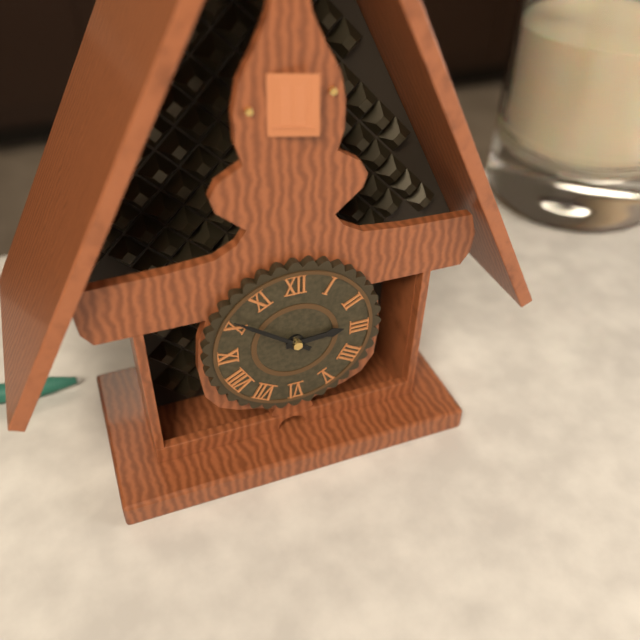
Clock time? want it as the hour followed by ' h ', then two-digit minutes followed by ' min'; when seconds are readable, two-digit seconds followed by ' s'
2 h 51 min
